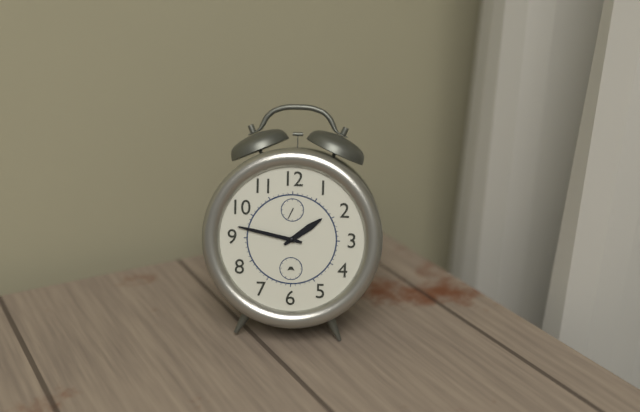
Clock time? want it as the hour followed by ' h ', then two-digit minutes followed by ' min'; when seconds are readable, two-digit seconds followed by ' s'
1 h 47 min
